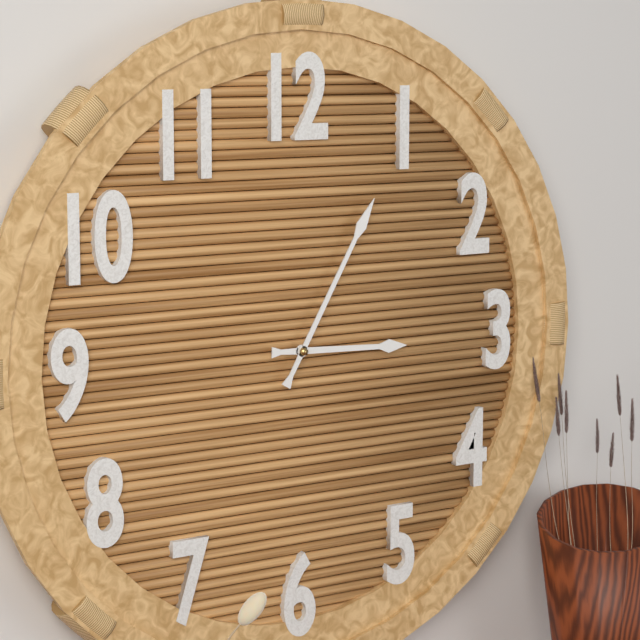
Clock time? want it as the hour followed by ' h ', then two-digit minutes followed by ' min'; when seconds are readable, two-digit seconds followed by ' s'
3 h 05 min
